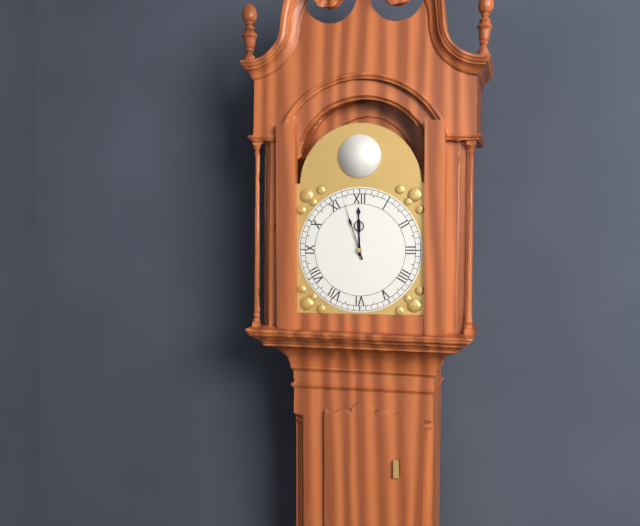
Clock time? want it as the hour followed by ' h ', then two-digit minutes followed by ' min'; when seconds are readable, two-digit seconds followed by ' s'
11 h 57 min
